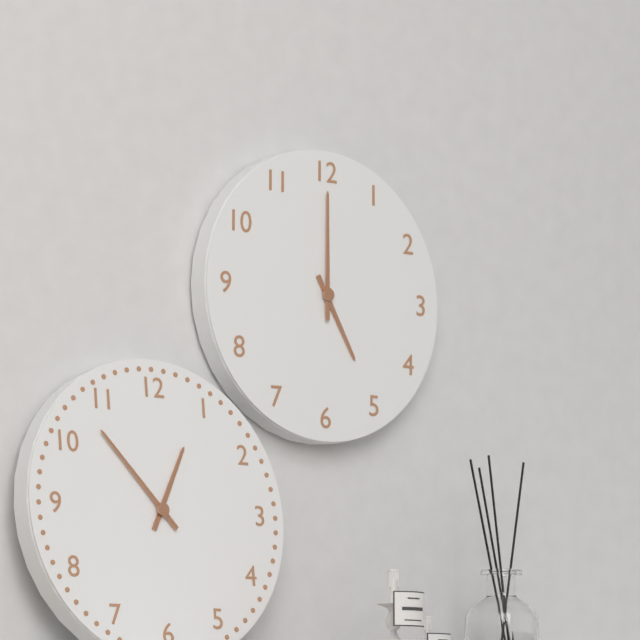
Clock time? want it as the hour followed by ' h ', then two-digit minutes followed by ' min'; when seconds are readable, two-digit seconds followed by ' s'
5 h 00 min
